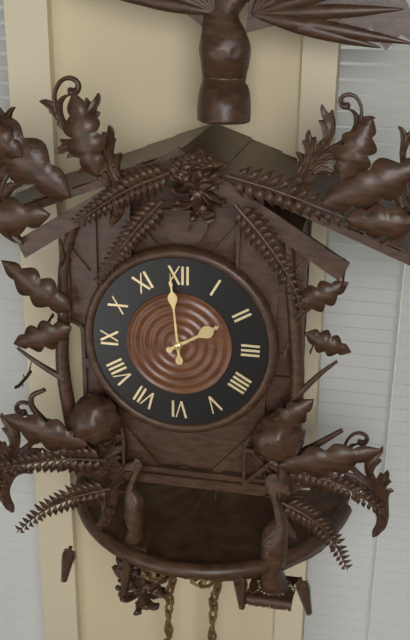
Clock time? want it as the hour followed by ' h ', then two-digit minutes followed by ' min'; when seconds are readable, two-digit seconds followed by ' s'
1 h 59 min
